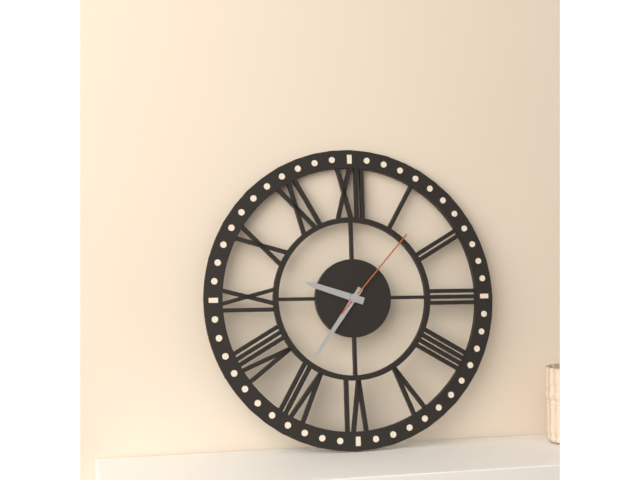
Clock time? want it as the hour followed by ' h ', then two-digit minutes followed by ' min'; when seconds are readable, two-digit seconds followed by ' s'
9 h 36 min 07 s
